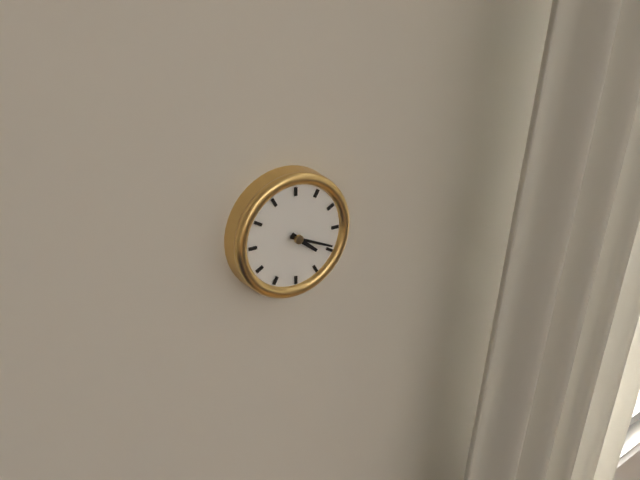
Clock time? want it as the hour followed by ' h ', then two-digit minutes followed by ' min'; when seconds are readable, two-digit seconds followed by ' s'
4 h 19 min
